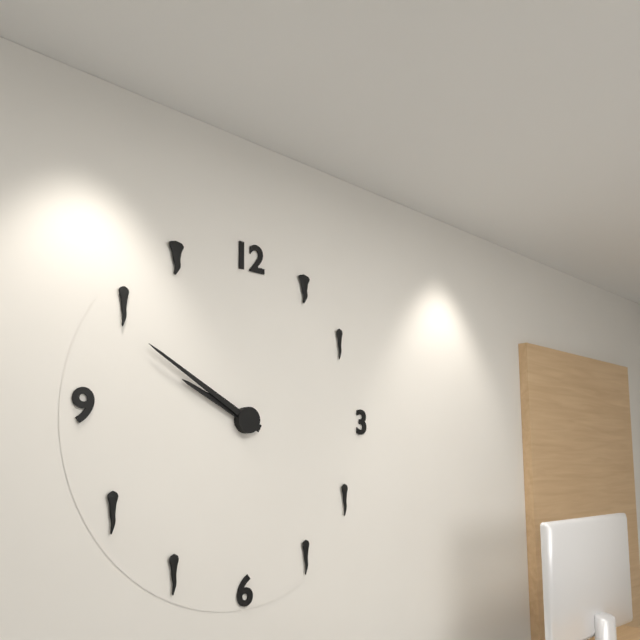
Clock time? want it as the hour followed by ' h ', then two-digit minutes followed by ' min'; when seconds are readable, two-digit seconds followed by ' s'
9 h 50 min
